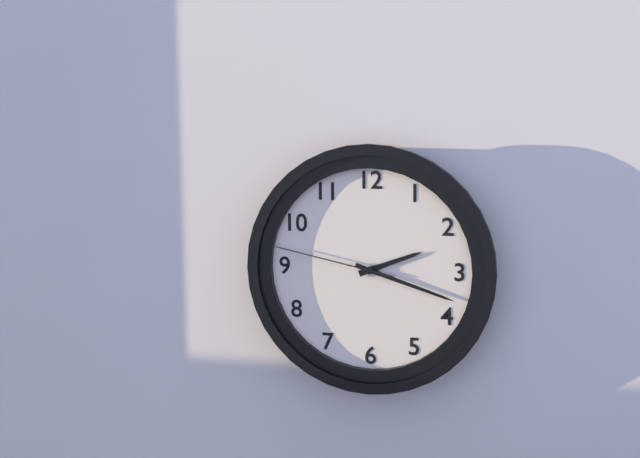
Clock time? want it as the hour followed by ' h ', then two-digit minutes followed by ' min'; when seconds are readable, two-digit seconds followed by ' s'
2 h 18 min 47 s
